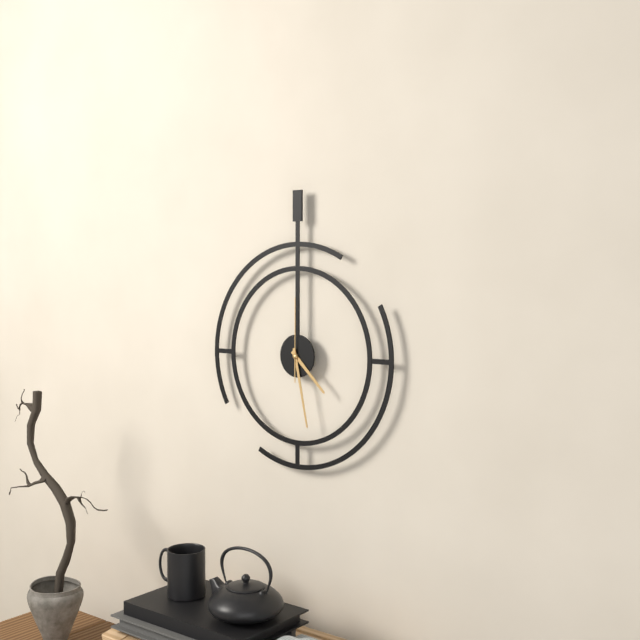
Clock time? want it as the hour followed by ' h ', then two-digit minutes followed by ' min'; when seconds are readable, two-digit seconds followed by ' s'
4 h 28 min 00 s
